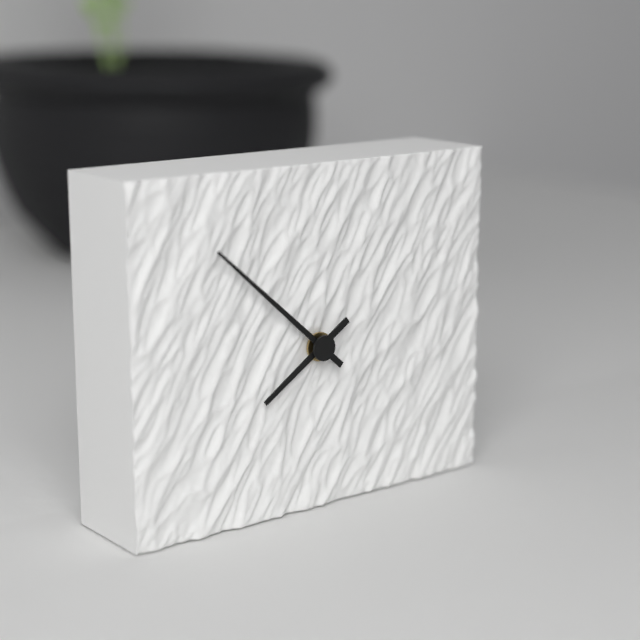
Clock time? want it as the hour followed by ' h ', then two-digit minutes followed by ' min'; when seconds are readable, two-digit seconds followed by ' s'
7 h 52 min
